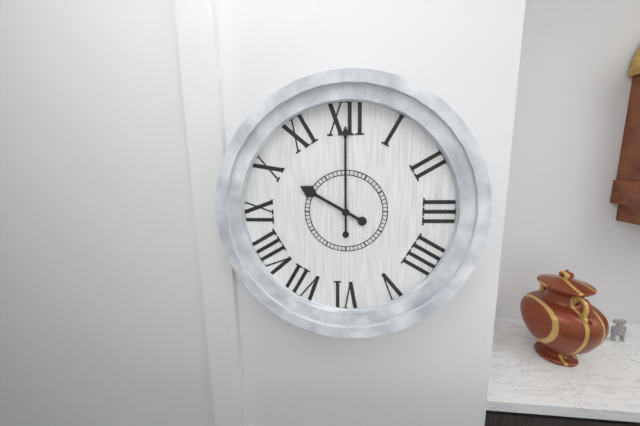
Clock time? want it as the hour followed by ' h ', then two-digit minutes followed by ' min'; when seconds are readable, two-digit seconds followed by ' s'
10 h 00 min
